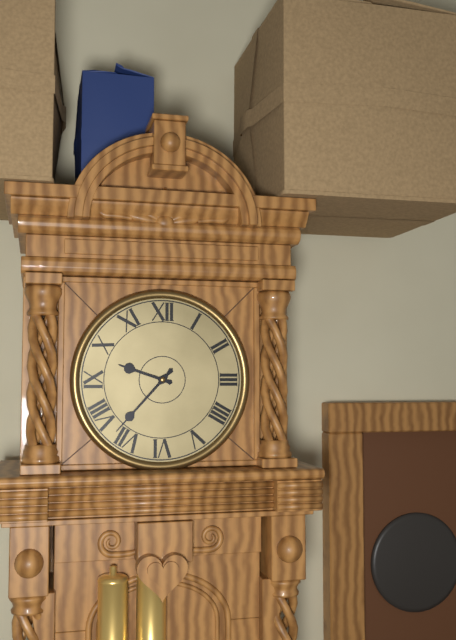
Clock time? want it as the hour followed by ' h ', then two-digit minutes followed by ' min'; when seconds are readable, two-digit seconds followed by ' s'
9 h 37 min
